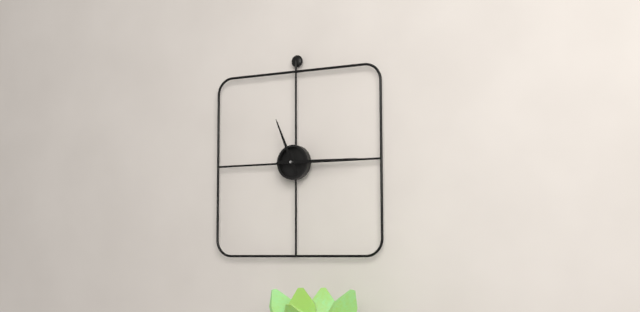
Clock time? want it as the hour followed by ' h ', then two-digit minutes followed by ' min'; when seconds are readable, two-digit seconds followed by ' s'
11 h 15 min
